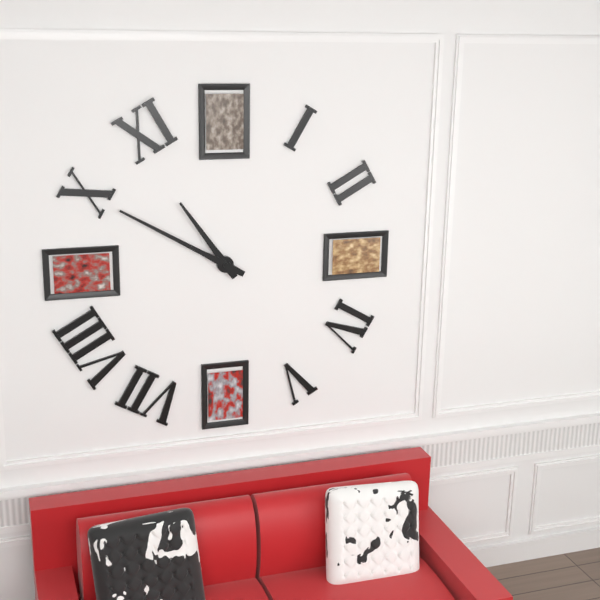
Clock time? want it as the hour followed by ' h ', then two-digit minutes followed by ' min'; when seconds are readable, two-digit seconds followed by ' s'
10 h 50 min
